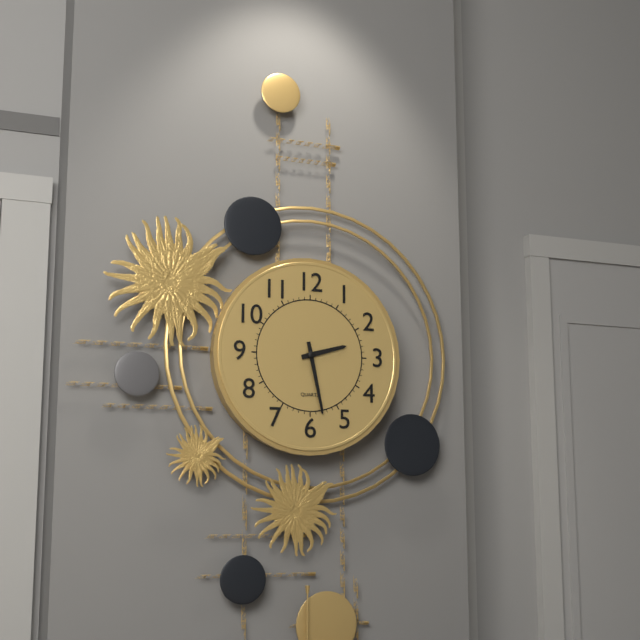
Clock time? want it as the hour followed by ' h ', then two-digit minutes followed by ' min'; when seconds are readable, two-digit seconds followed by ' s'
2 h 28 min
